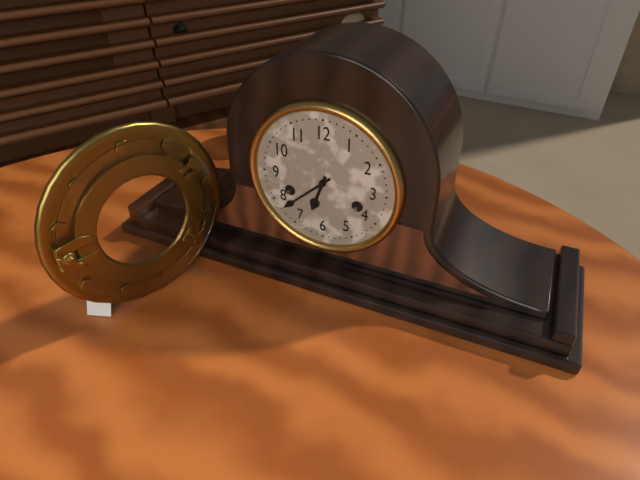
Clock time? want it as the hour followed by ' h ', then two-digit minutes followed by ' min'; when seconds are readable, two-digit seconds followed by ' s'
6 h 38 min
